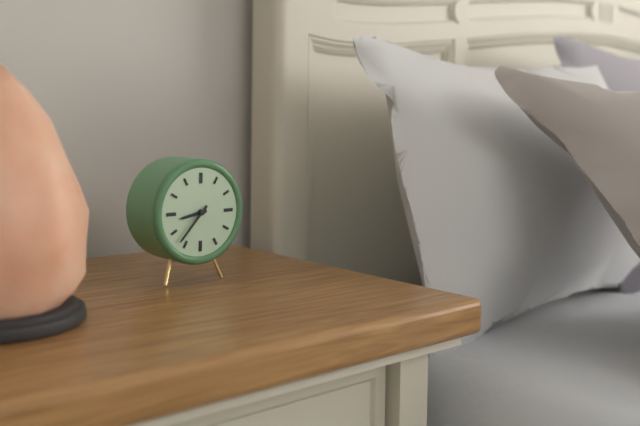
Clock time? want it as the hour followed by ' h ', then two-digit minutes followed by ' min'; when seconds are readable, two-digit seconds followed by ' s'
8 h 37 min
